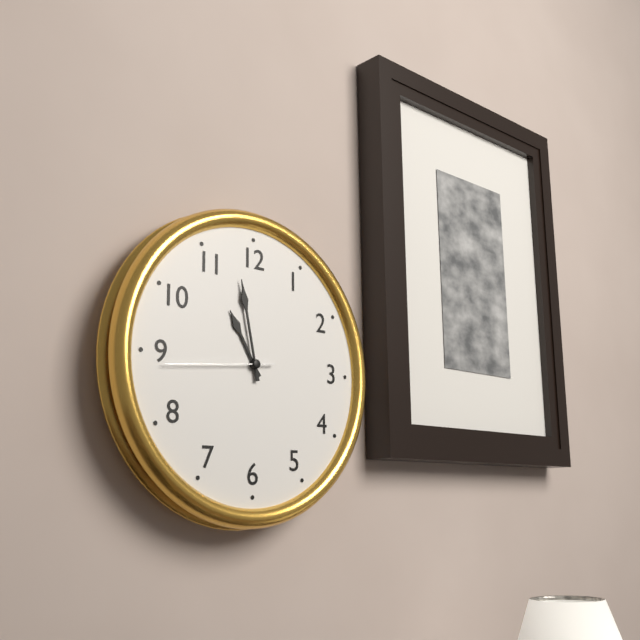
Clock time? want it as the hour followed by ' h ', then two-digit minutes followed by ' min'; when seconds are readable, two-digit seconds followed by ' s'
10 h 58 min 44 s
